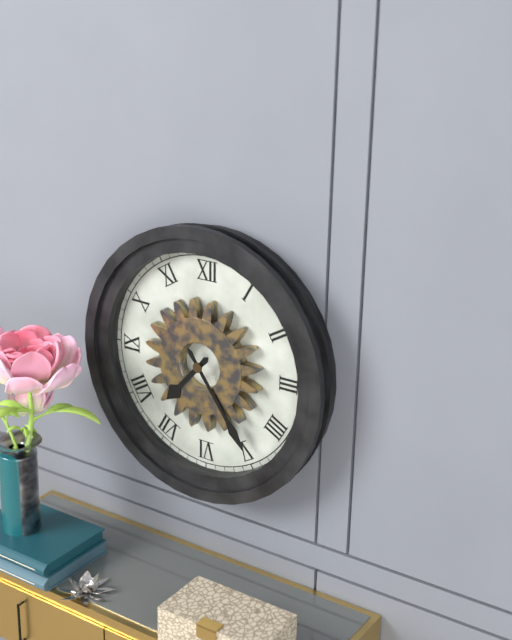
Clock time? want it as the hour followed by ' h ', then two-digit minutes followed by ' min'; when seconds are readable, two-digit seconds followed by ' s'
7 h 24 min
